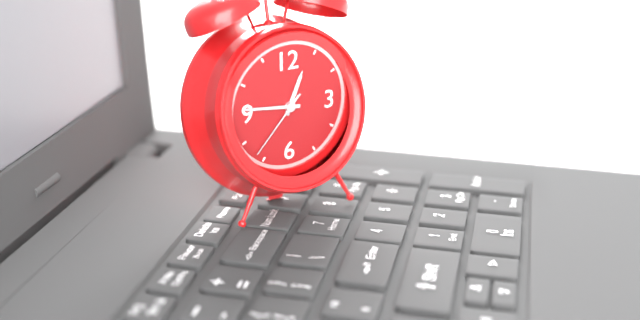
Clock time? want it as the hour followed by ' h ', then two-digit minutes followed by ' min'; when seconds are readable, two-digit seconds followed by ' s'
12 h 46 min 37 s
